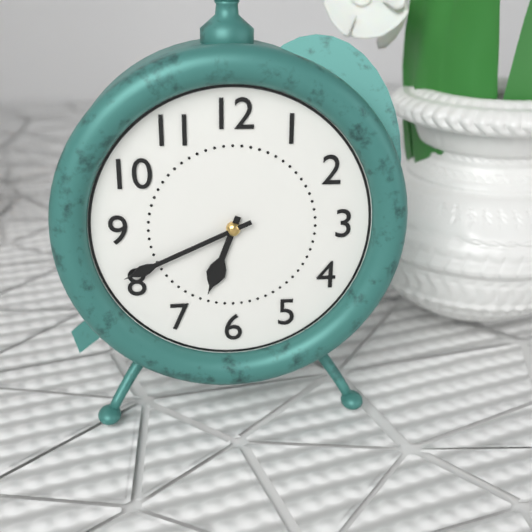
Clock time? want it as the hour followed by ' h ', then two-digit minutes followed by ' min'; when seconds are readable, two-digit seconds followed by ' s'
6 h 41 min
